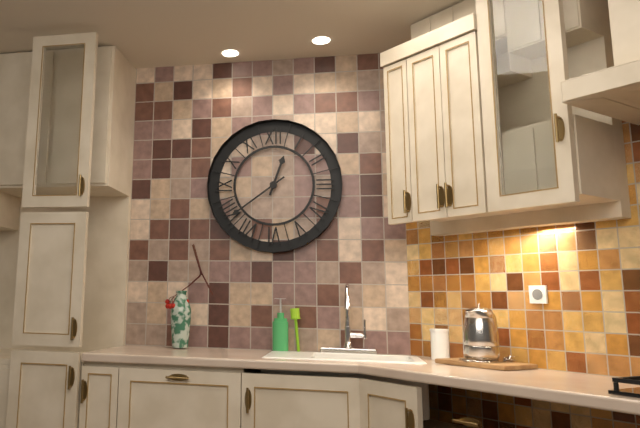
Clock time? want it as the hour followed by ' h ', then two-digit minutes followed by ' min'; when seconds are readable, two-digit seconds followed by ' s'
12 h 39 min
